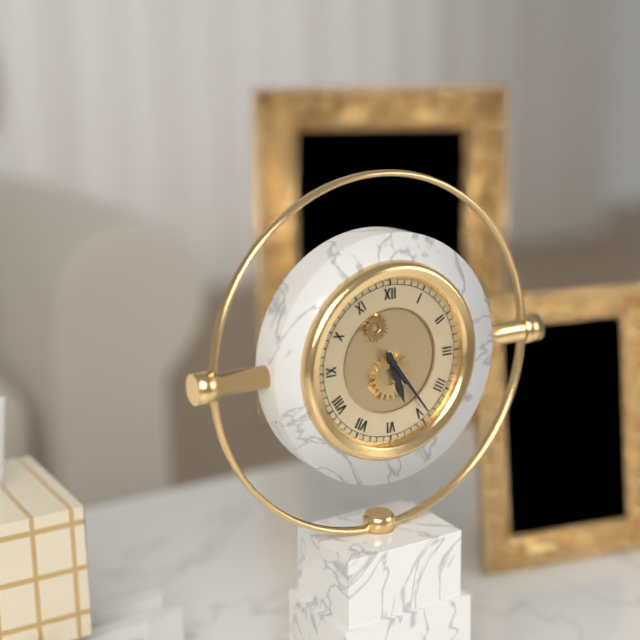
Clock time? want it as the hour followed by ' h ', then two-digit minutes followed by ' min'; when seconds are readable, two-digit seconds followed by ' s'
5 h 24 min
